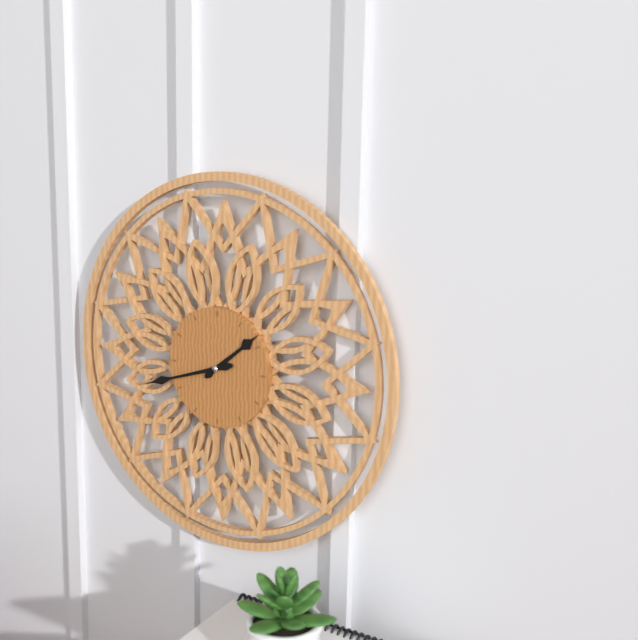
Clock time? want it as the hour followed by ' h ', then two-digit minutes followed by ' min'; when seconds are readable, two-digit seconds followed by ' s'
1 h 42 min
